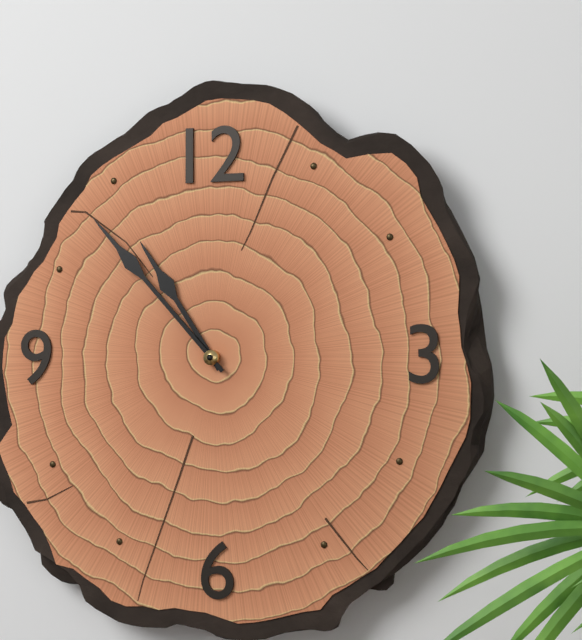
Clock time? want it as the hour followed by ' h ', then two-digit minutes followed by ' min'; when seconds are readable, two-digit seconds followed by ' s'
10 h 53 min
